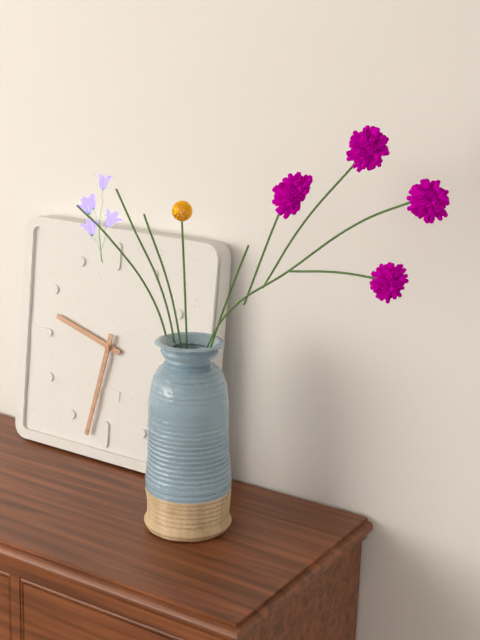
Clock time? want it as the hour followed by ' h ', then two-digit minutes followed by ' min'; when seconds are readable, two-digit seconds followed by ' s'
9 h 32 min
